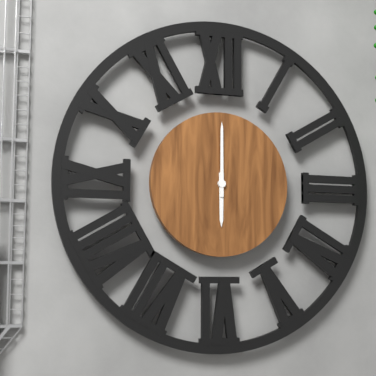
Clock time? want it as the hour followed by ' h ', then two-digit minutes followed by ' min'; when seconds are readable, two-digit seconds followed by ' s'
6 h 00 min
